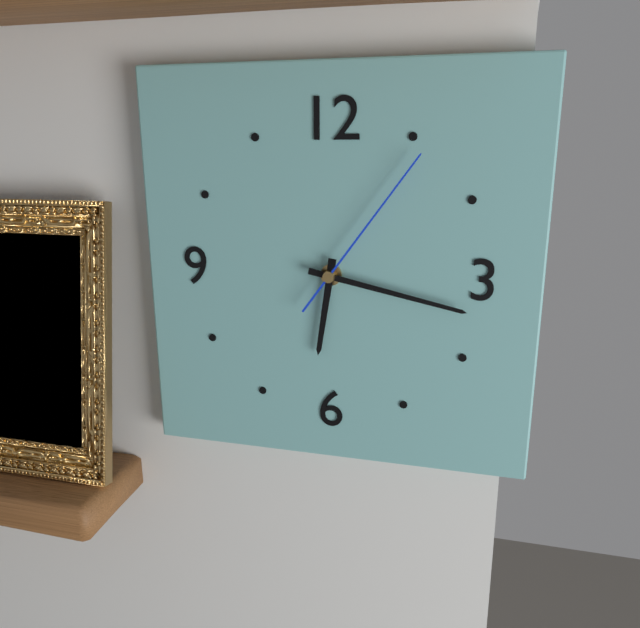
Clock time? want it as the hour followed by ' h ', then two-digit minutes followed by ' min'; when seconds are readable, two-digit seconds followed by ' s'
6 h 17 min 06 s
